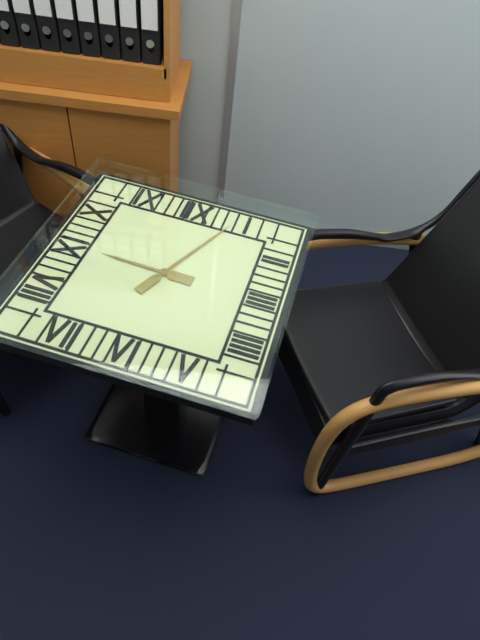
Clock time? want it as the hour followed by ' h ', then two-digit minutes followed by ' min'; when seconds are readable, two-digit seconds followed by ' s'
9 h 04 min
